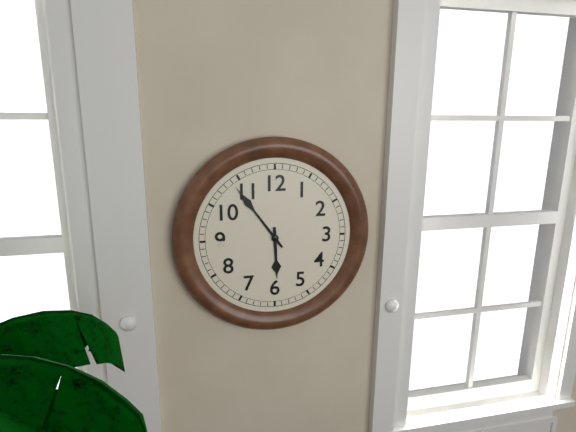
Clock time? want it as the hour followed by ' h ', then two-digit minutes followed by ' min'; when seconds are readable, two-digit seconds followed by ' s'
5 h 54 min
